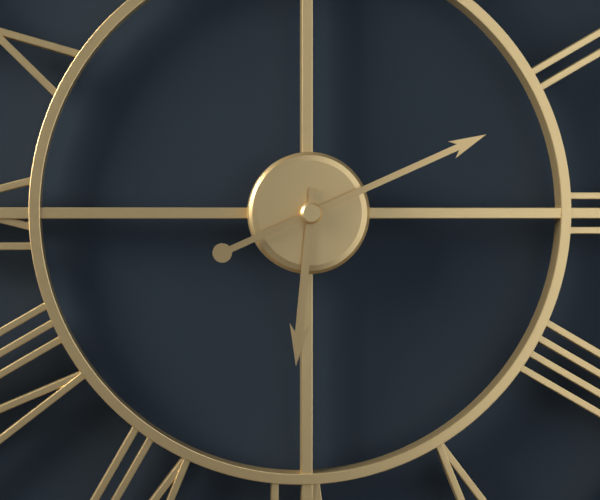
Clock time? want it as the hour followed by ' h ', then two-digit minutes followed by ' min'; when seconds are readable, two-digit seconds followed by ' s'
6 h 11 min
